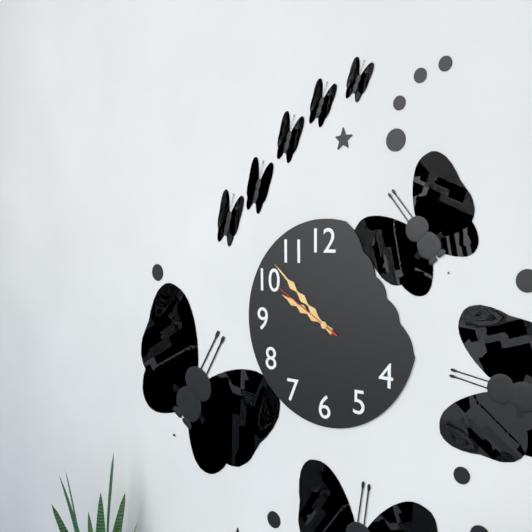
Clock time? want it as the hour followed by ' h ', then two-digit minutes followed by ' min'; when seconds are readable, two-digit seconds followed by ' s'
9 h 52 min 50 s
